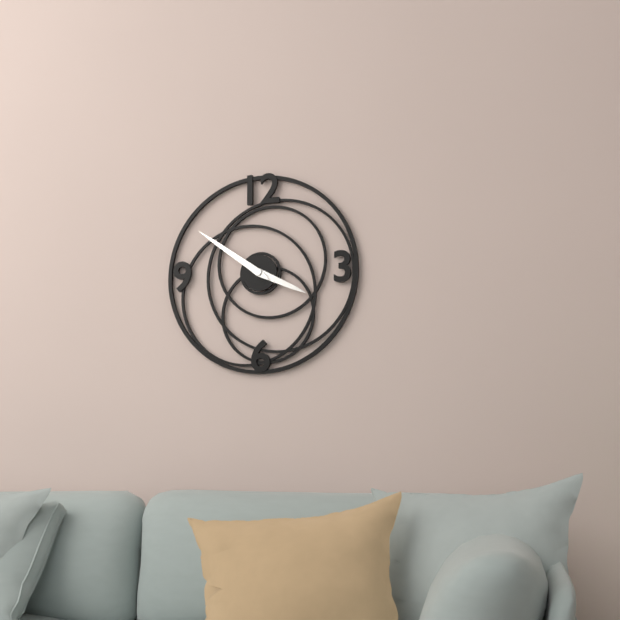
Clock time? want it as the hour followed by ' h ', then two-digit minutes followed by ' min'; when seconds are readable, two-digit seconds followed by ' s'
3 h 51 min
